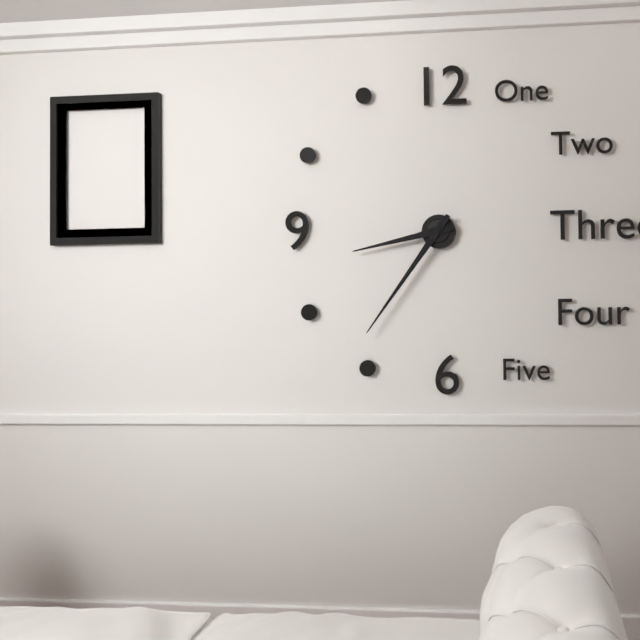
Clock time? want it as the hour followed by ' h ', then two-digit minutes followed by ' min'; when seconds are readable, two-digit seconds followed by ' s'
8 h 36 min
